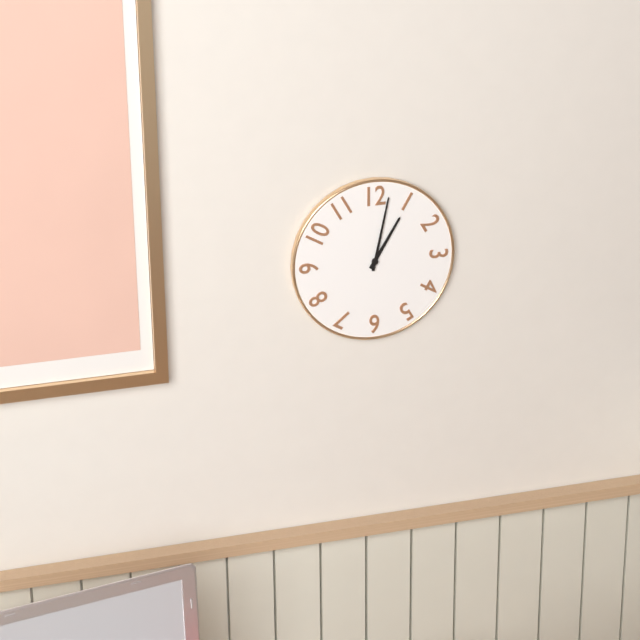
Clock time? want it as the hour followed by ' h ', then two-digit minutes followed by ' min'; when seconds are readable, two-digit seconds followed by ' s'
1 h 02 min
